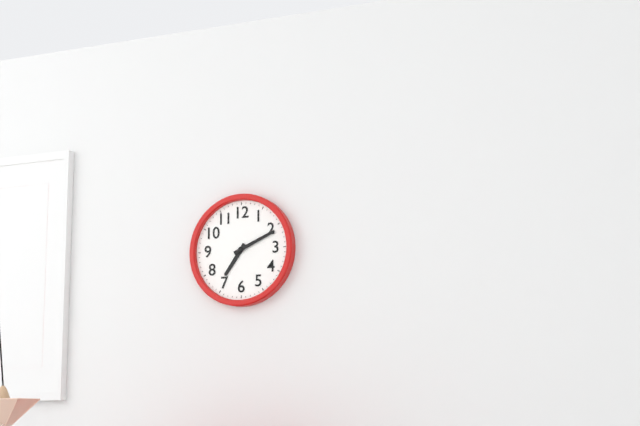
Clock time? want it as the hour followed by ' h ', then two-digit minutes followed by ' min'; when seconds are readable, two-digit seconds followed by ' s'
7 h 11 min
